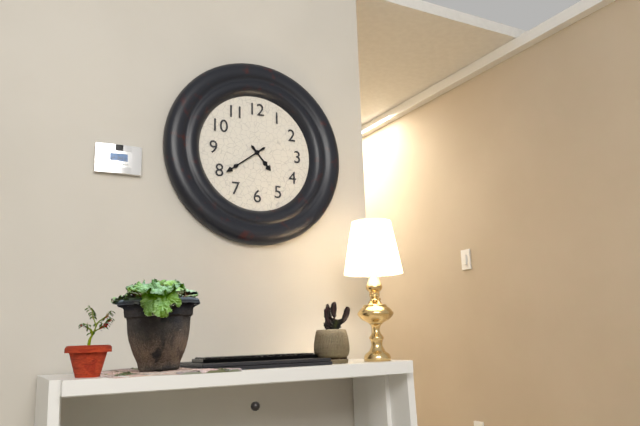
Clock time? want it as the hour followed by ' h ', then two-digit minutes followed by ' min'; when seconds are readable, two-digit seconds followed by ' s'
4 h 39 min
